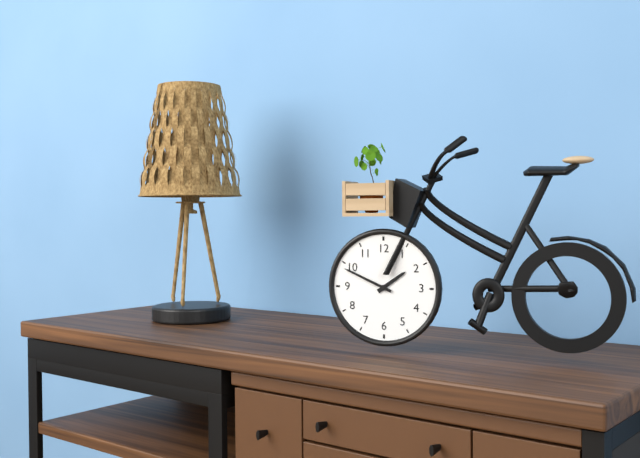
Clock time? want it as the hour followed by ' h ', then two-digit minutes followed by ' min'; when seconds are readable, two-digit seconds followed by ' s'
1 h 49 min
